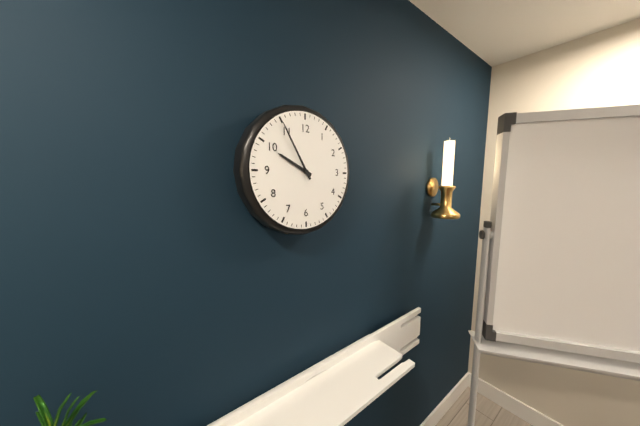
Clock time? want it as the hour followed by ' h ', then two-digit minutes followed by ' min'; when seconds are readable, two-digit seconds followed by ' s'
9 h 55 min
